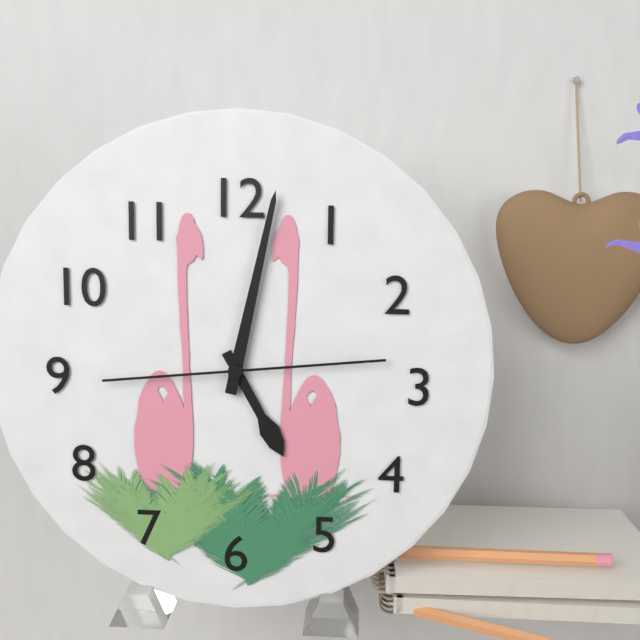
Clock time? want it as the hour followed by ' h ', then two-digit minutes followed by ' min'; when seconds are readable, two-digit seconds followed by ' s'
5 h 02 min 14 s
